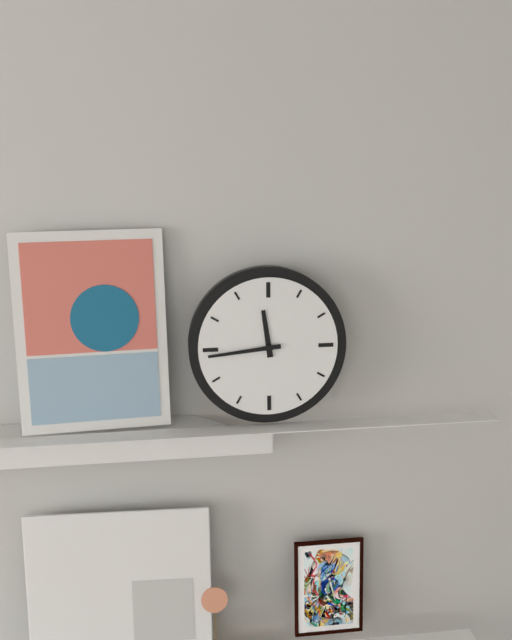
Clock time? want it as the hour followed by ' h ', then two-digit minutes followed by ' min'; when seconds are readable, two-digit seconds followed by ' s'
11 h 44 min
